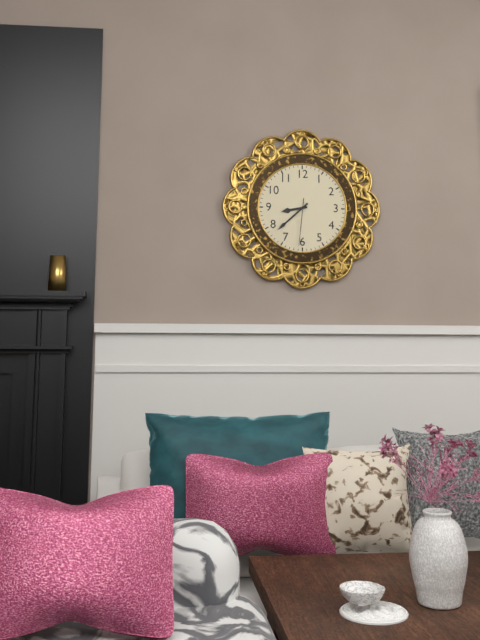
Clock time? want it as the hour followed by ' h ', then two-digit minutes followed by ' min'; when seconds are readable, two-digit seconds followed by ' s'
8 h 38 min
